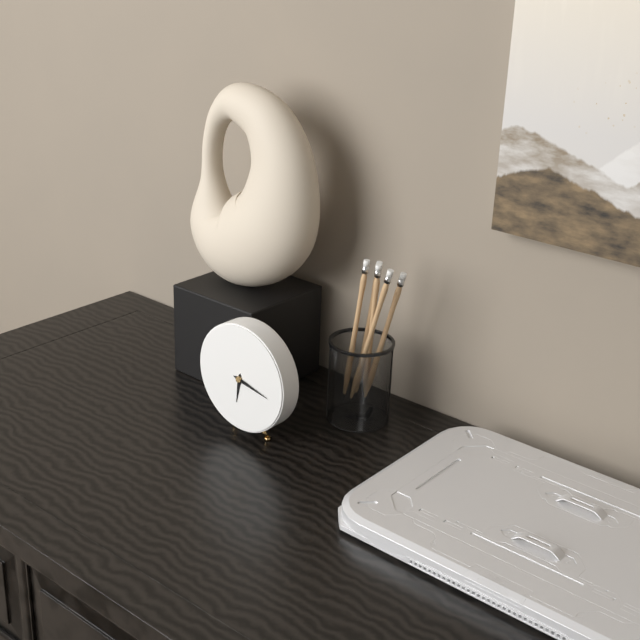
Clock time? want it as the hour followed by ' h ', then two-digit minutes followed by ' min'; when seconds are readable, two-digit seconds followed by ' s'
6 h 17 min
